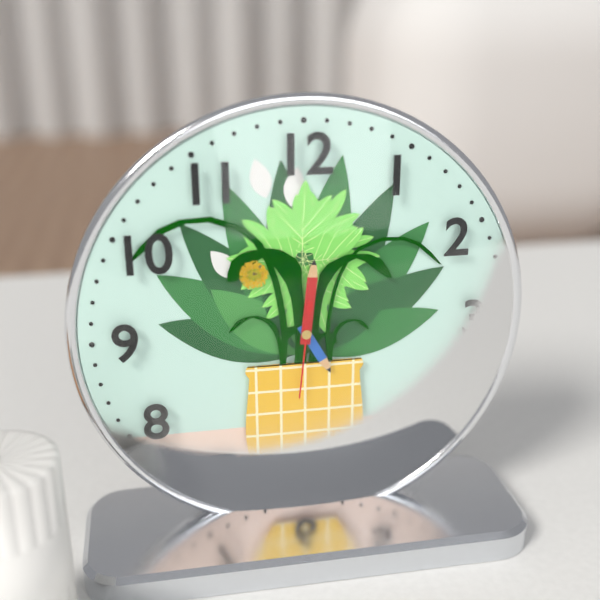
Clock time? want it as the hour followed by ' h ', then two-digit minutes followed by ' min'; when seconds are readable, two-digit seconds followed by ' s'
5 h 01 min 31 s
